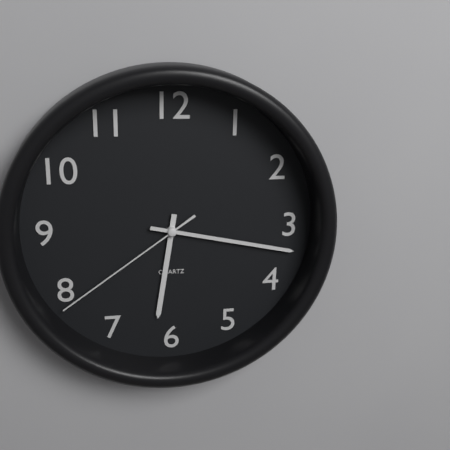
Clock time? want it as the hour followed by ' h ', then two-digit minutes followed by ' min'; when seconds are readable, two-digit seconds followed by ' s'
6 h 17 min 39 s
